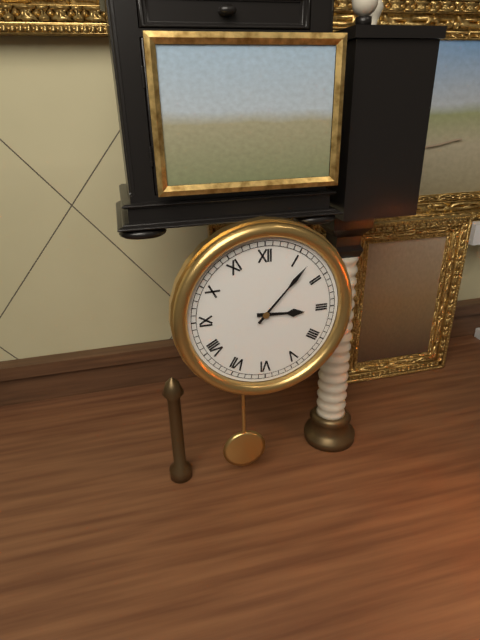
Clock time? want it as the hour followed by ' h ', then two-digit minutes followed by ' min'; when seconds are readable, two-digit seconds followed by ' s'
3 h 07 min
